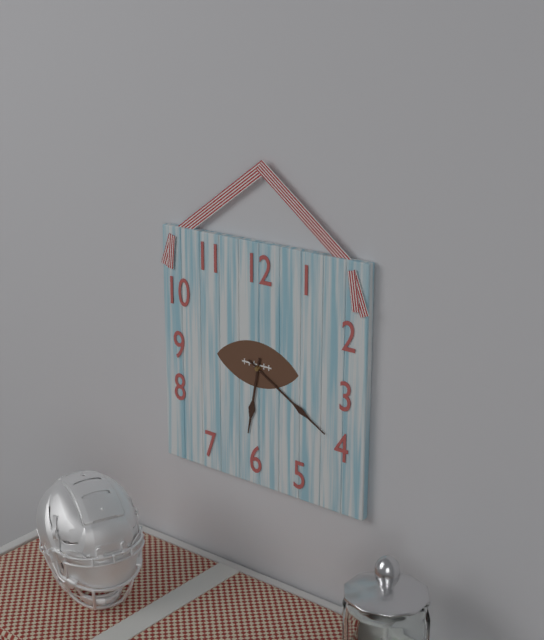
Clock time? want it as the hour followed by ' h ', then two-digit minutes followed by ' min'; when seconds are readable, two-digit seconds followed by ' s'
6 h 20 min
